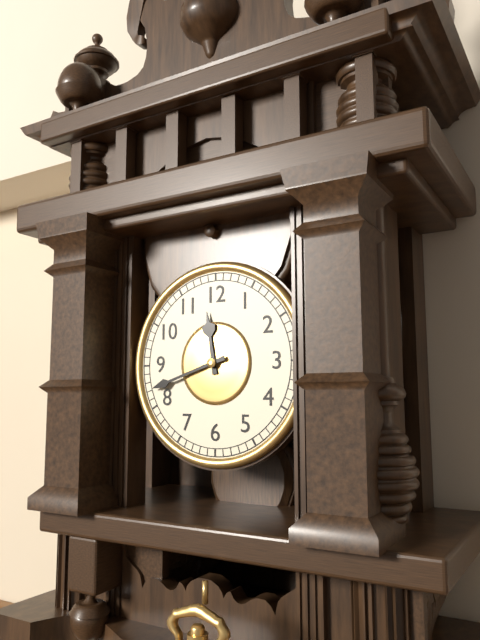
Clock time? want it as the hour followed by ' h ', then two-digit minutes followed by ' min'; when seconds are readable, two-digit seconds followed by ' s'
11 h 42 min
